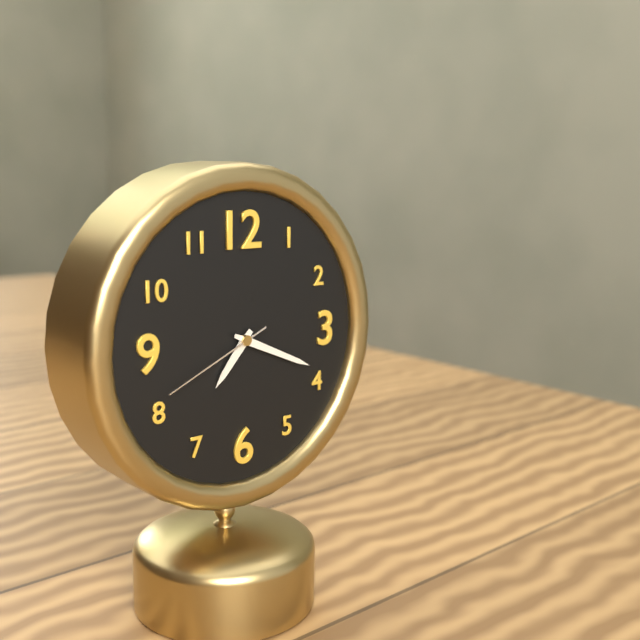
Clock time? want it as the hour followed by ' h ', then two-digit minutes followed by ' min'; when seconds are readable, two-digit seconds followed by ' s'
7 h 19 min 41 s
